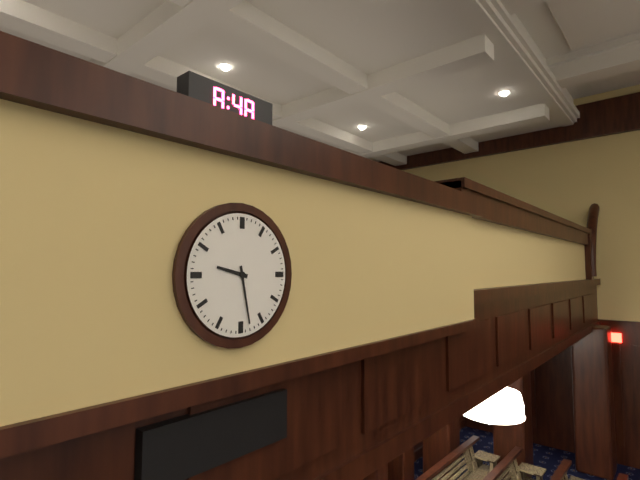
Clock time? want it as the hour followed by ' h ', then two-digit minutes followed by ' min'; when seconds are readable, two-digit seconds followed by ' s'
9 h 28 min
